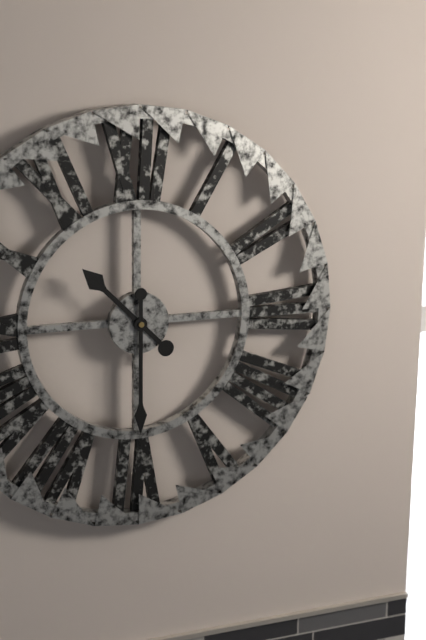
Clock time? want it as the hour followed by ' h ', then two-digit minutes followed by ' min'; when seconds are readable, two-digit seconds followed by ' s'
10 h 30 min
